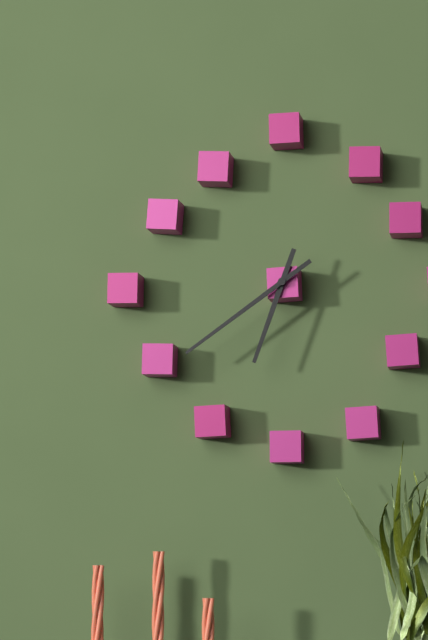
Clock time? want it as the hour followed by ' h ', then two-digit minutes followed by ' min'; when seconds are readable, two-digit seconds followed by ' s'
6 h 39 min
